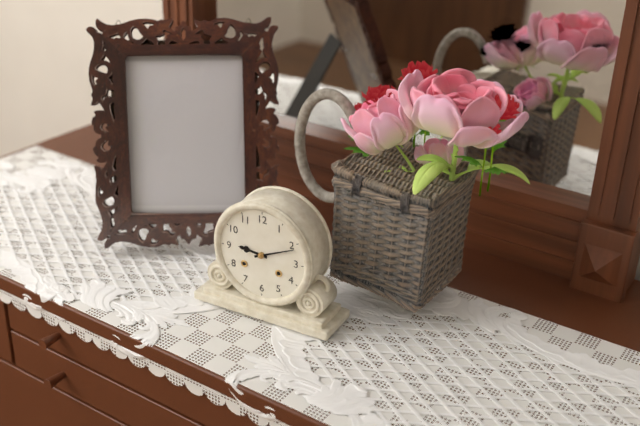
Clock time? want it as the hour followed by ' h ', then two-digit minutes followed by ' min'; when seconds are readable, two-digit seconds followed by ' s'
9 h 11 min
